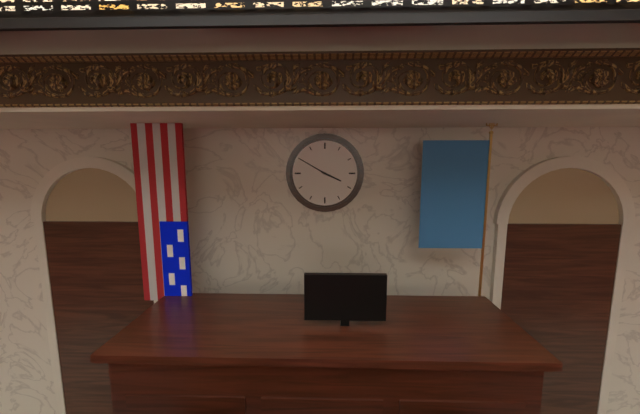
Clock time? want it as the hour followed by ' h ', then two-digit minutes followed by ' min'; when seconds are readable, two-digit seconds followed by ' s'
3 h 50 min
